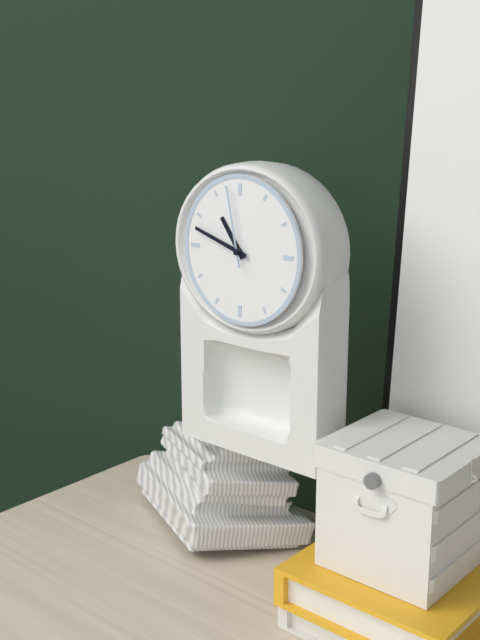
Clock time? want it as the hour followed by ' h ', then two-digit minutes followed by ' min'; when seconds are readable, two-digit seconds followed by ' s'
10 h 48 min 58 s
